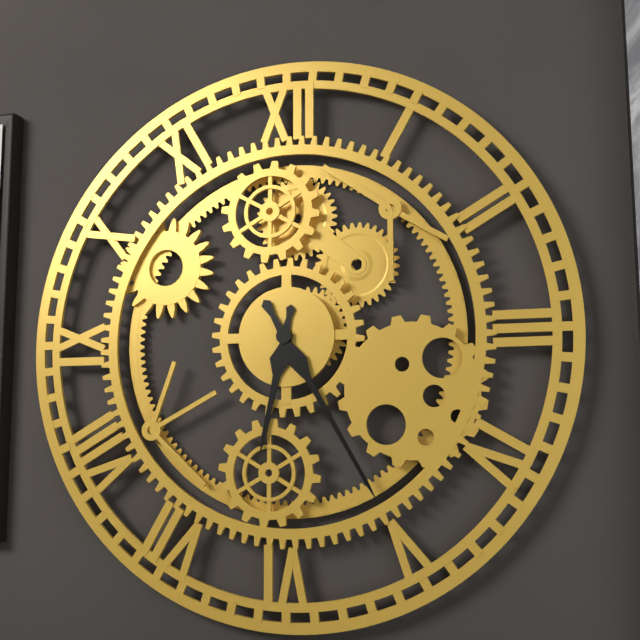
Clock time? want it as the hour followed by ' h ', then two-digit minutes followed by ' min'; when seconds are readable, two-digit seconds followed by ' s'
6 h 25 min
